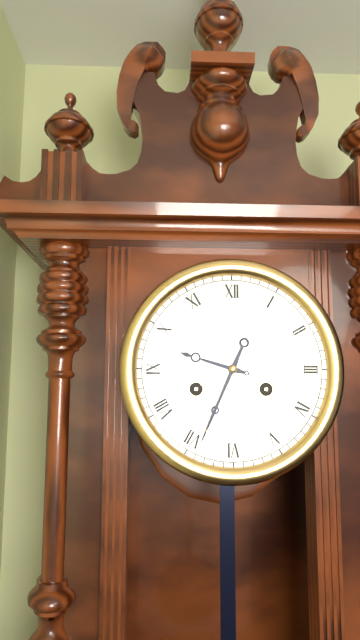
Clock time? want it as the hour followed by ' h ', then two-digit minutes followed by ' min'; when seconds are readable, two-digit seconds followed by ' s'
9 h 34 min
